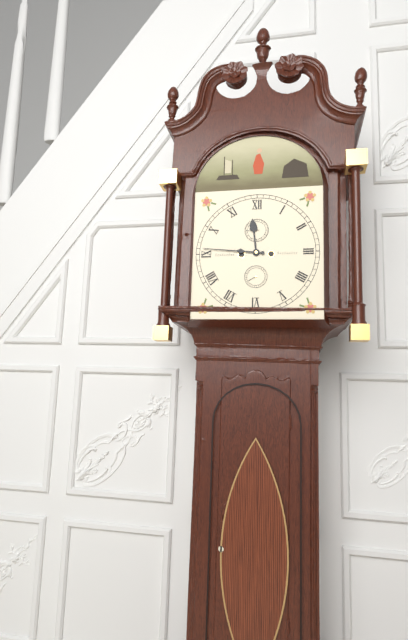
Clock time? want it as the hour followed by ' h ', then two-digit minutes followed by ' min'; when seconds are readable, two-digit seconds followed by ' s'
11 h 46 min
